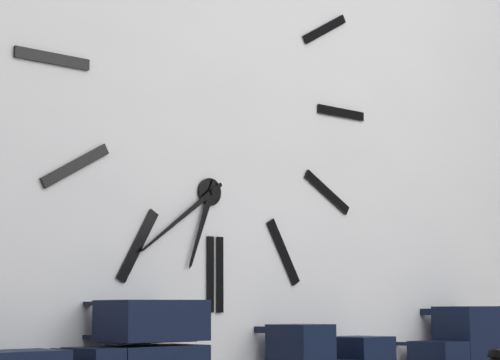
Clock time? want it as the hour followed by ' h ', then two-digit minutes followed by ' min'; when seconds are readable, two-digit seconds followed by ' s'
6 h 39 min
